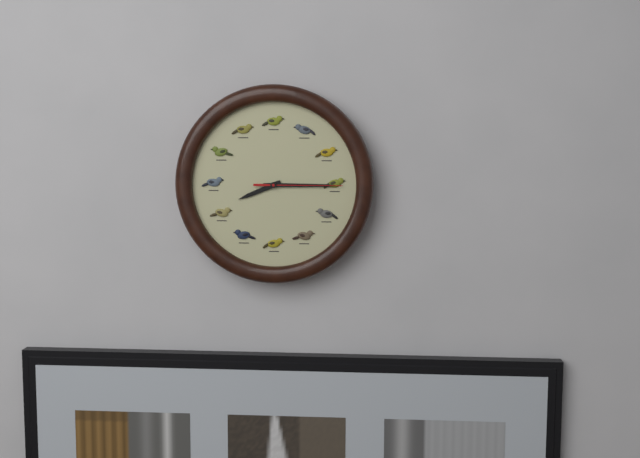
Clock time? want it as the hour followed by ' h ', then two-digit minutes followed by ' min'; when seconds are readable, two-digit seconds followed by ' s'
8 h 15 min 15 s
